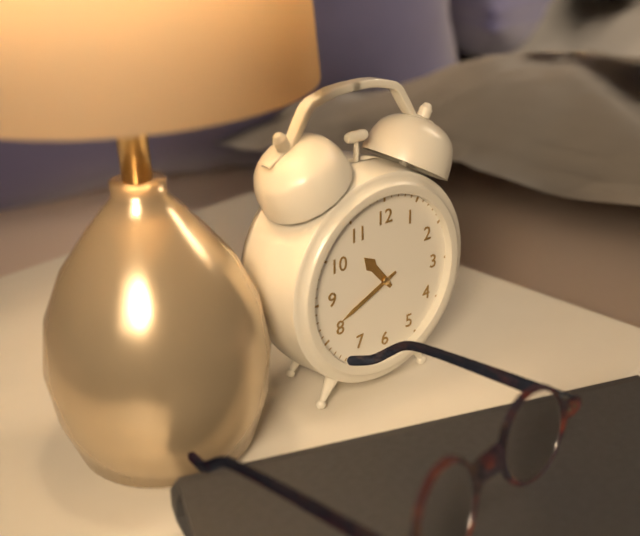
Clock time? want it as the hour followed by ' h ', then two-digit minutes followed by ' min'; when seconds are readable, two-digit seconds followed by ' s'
10 h 41 min
